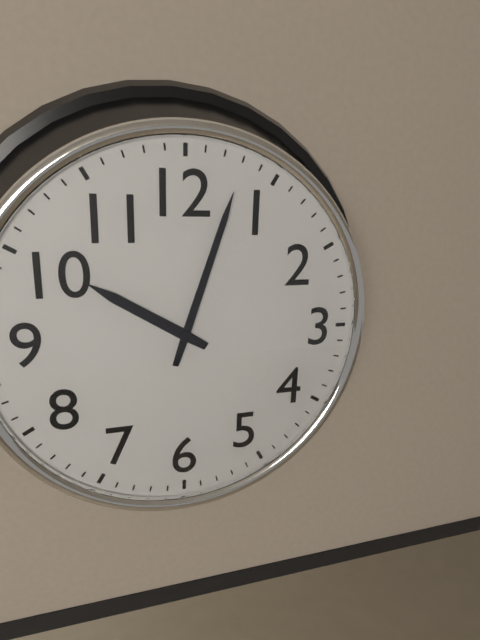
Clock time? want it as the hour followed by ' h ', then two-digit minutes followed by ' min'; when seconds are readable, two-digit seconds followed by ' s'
10 h 03 min
